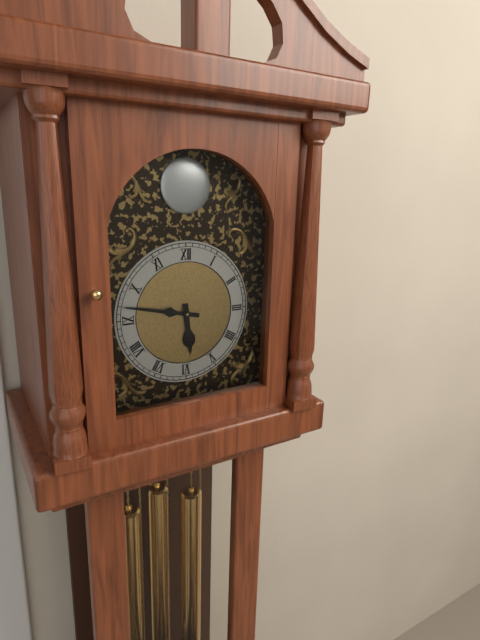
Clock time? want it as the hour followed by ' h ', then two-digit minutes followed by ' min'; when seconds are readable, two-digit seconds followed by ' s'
5 h 47 min
